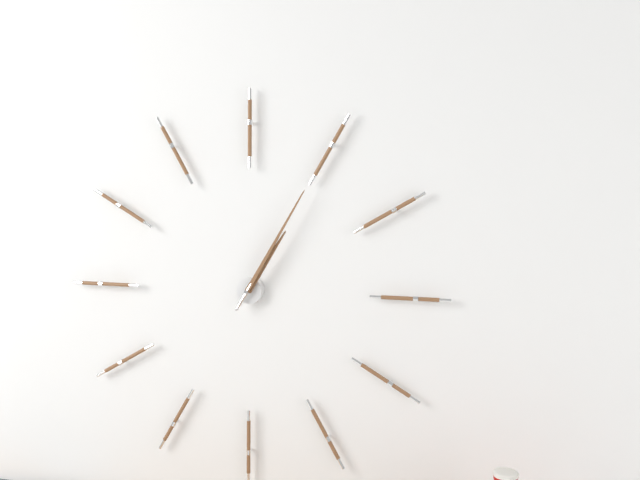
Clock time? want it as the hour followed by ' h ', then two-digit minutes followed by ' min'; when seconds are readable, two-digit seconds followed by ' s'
1 h 05 min
